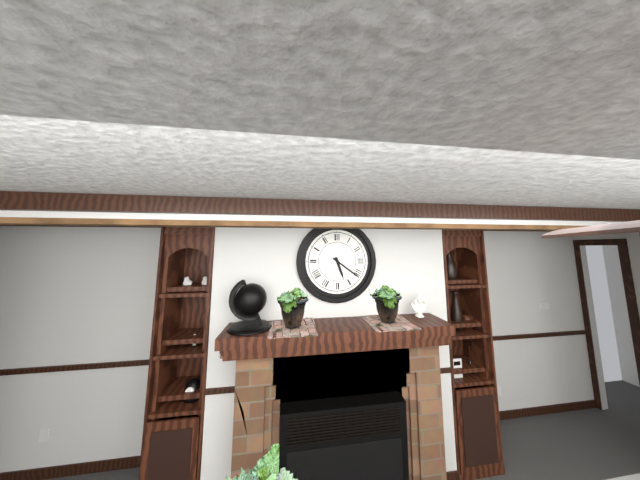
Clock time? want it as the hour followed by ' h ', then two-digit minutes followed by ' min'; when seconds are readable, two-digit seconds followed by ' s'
5 h 21 min
